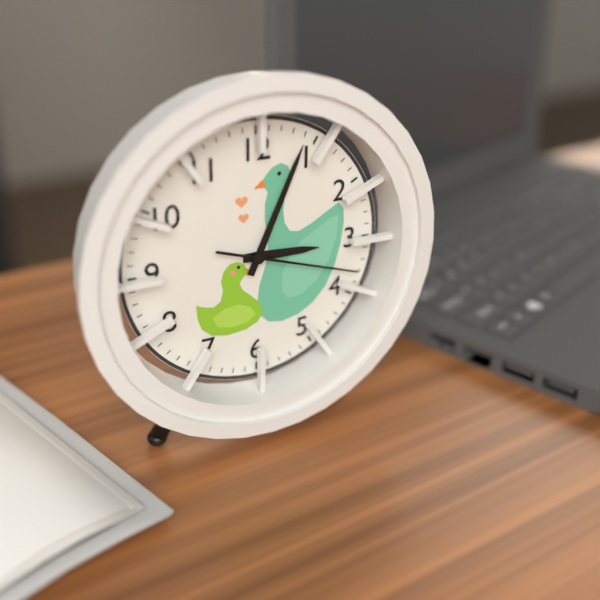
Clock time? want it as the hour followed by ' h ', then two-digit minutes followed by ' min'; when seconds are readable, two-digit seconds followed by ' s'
3 h 04 min 18 s
